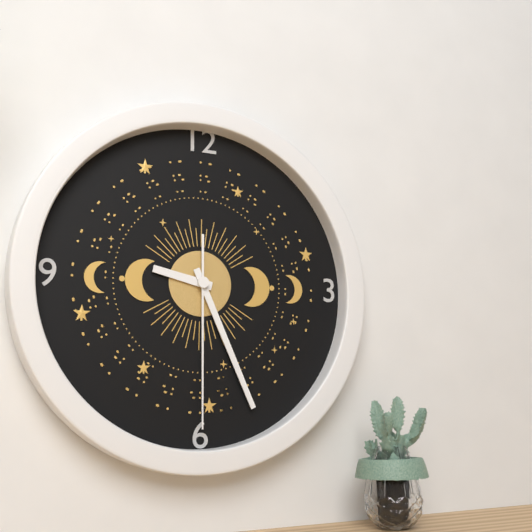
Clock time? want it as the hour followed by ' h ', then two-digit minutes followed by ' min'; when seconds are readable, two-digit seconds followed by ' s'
9 h 26 min 30 s
